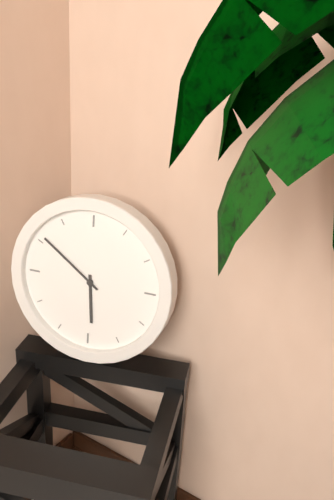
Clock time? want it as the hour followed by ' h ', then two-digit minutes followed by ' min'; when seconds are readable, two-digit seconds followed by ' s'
5 h 51 min
